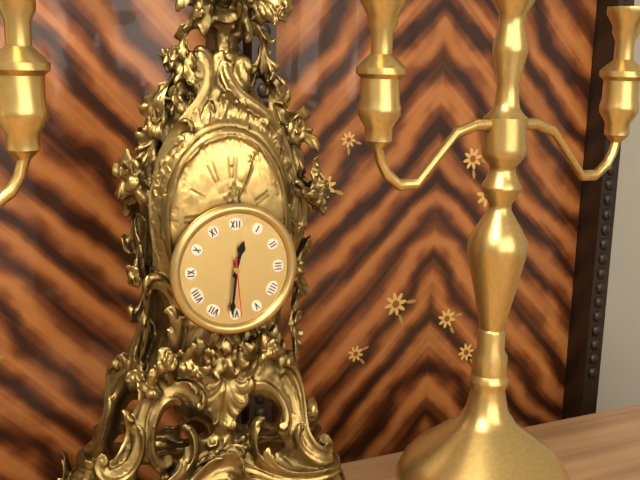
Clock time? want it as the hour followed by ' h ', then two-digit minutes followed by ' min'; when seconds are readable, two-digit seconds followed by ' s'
12 h 31 min 29 s
